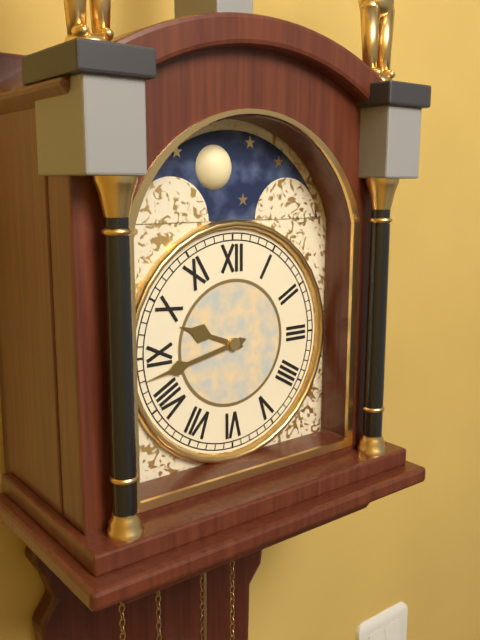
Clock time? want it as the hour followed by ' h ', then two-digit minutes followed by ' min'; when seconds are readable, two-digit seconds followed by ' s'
9 h 43 min
